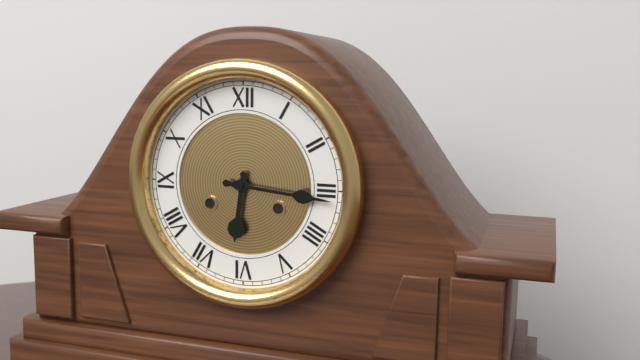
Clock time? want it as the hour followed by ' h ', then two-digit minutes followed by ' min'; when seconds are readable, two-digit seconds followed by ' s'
6 h 16 min
